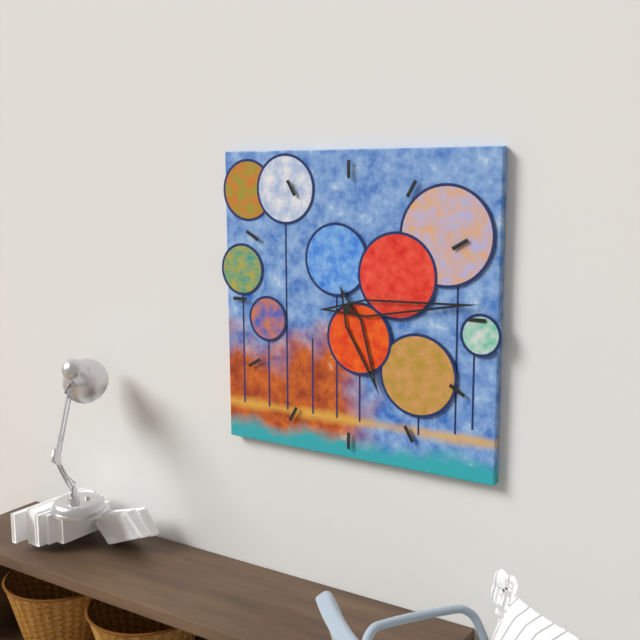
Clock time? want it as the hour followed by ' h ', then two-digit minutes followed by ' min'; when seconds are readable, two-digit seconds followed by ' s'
5 h 14 min
